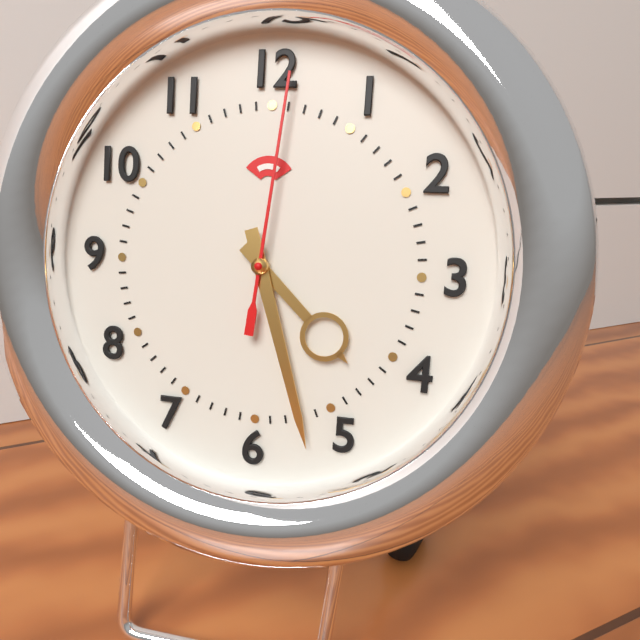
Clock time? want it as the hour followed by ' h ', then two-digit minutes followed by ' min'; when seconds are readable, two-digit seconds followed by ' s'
4 h 27 min 01 s
